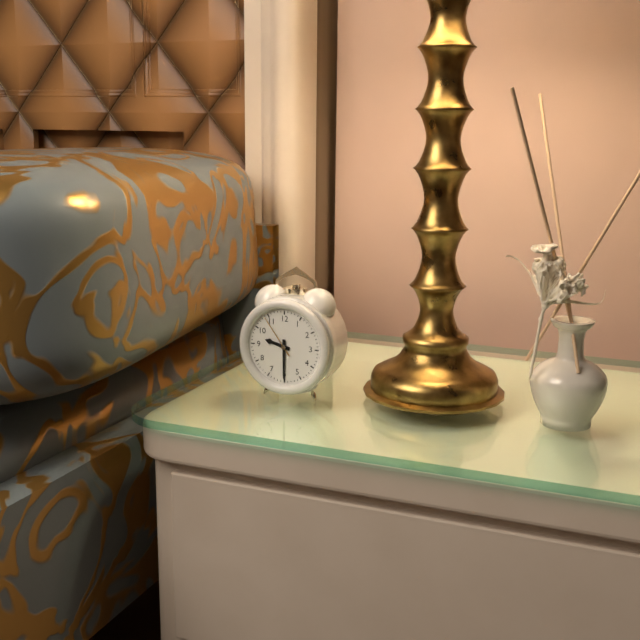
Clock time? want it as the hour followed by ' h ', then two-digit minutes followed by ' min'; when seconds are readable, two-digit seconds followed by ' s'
9 h 30 min
